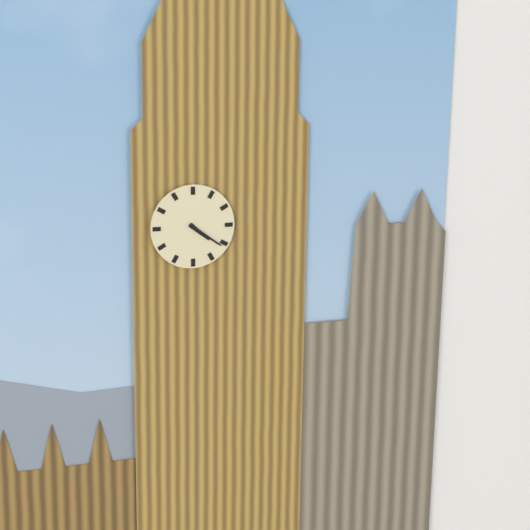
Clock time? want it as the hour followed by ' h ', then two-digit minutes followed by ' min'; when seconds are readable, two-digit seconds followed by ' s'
4 h 21 min
